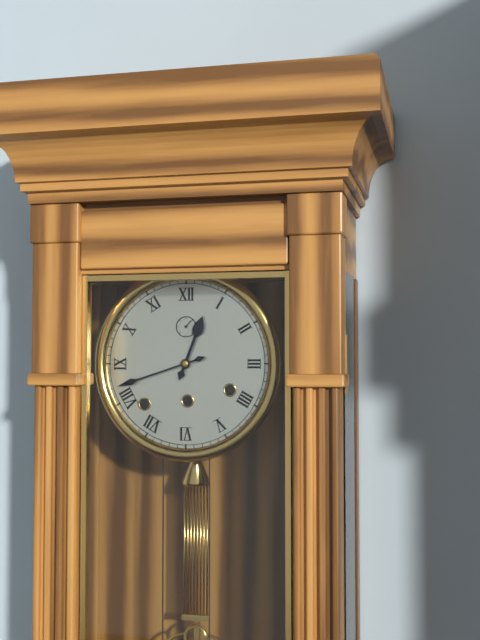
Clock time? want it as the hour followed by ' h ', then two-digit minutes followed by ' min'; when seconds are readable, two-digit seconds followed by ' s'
12 h 42 min
